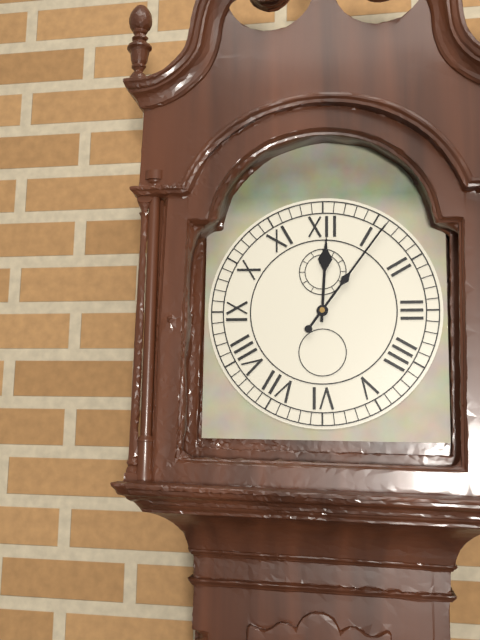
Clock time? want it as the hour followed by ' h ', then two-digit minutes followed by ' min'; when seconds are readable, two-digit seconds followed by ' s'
12 h 06 min
